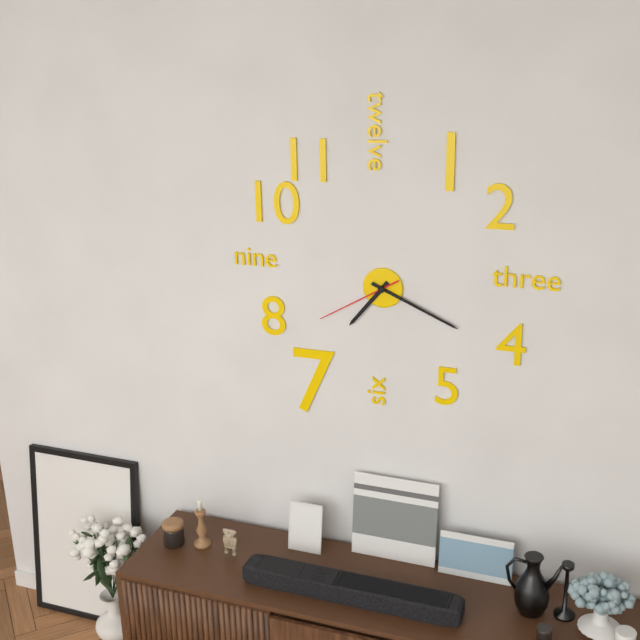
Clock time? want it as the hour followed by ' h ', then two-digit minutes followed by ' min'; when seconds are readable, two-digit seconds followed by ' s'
7 h 19 min 40 s
